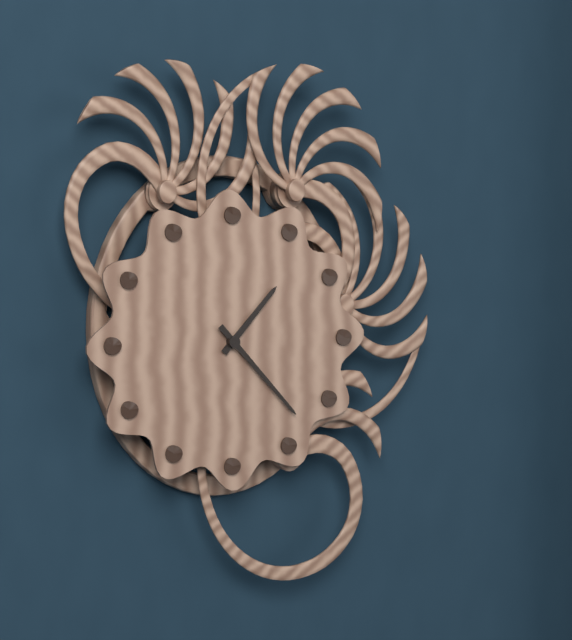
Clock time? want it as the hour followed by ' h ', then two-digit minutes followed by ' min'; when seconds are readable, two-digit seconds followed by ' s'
1 h 23 min
